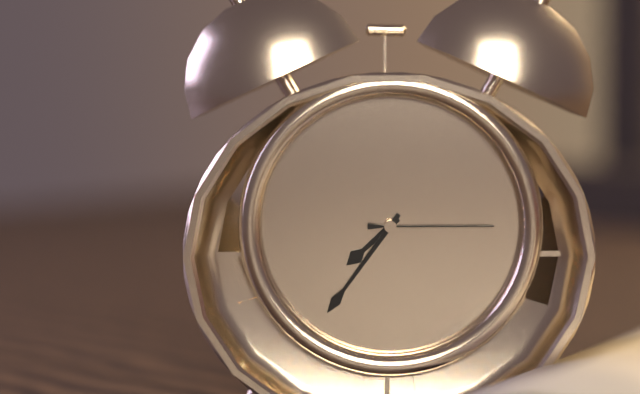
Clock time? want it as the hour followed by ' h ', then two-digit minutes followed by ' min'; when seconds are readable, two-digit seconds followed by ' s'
7 h 36 min 15 s
